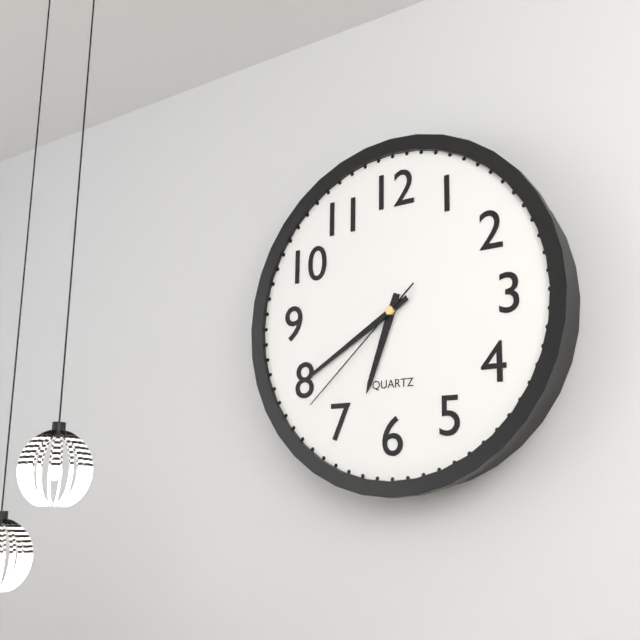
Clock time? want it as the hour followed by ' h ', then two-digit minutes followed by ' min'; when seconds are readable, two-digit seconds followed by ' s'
6 h 40 min 38 s
